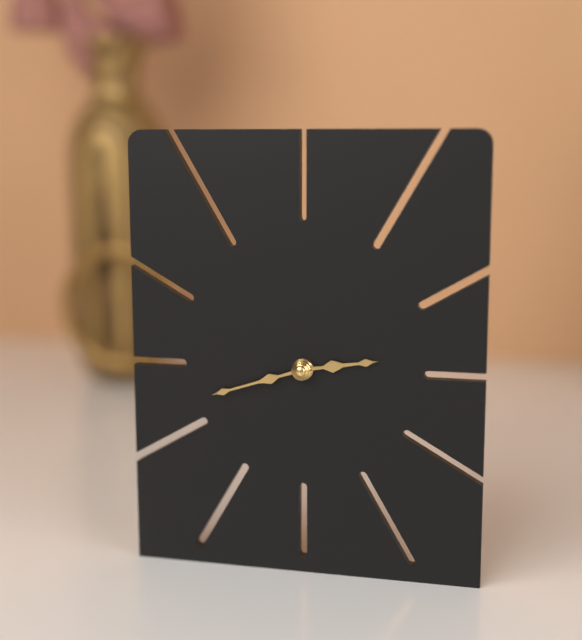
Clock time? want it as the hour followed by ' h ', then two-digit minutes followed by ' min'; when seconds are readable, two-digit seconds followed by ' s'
2 h 42 min
